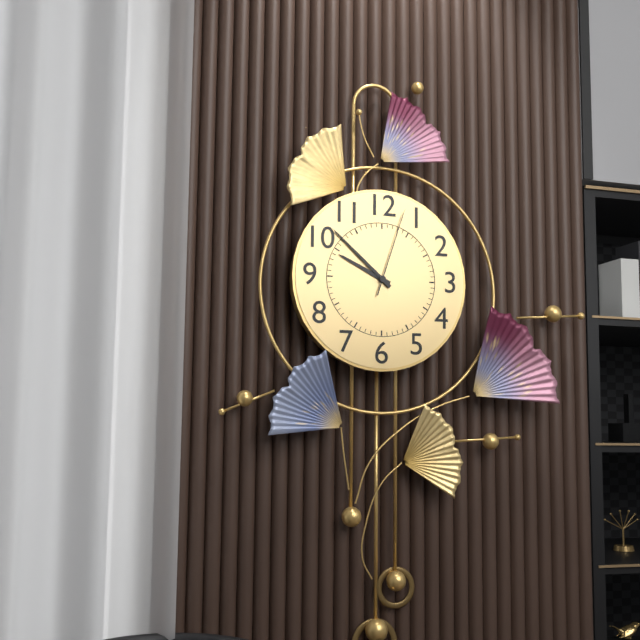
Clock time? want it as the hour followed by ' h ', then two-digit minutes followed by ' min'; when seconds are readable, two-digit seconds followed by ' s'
9 h 52 min 03 s
